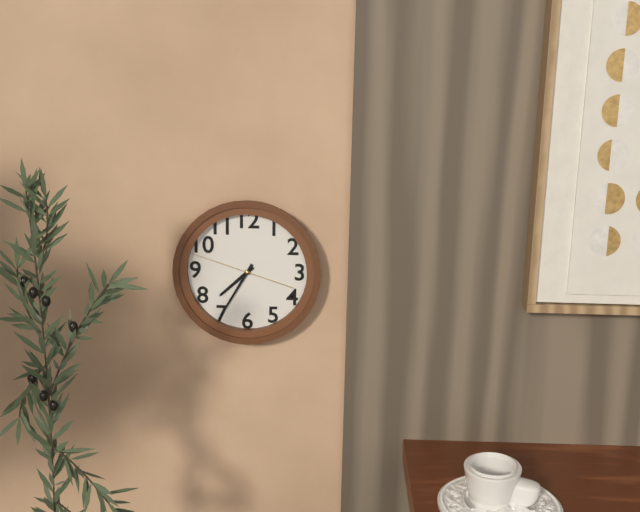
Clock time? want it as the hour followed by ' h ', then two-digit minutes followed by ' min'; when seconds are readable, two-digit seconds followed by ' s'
7 h 35 min 48 s
